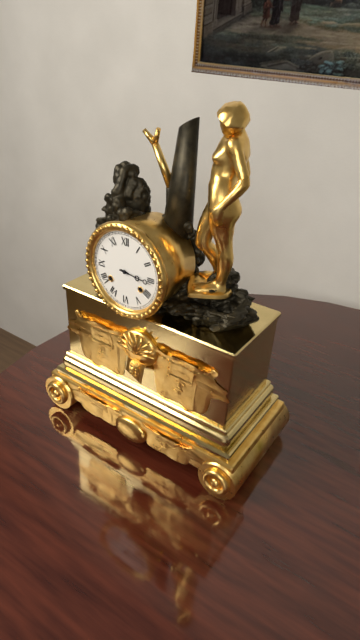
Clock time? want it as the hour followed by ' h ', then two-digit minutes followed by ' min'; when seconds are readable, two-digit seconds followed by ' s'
3 h 16 min
